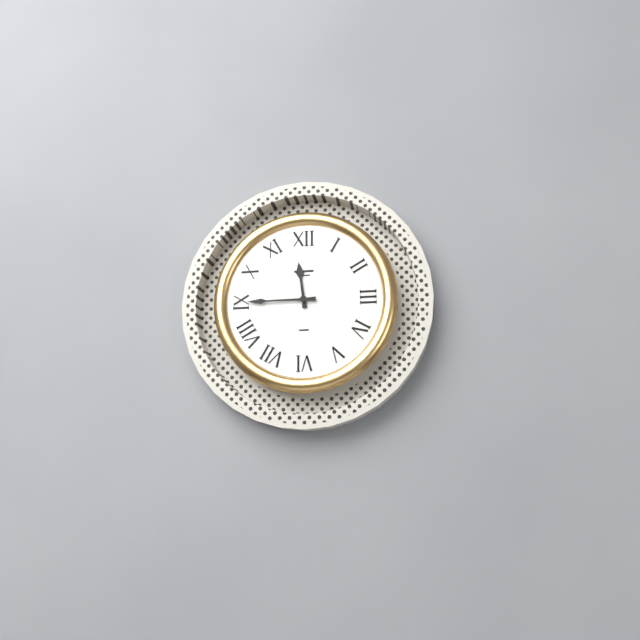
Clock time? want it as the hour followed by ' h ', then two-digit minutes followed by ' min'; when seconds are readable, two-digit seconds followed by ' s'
11 h 45 min
